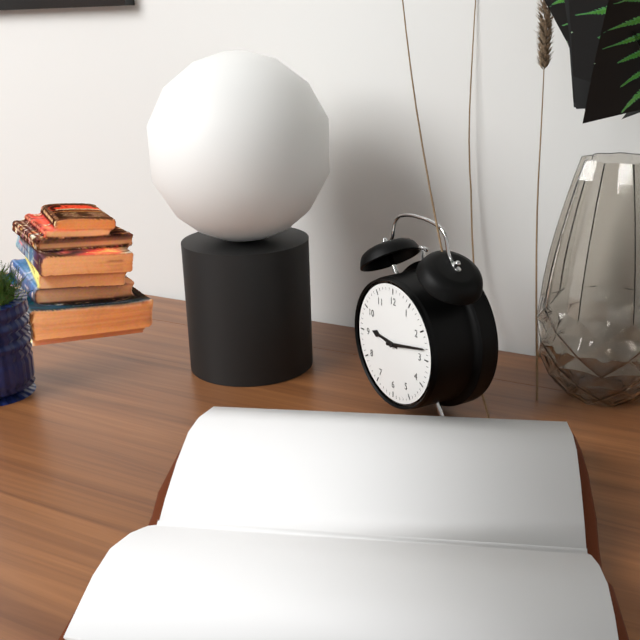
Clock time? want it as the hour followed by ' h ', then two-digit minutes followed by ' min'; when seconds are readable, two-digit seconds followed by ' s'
9 h 13 min
